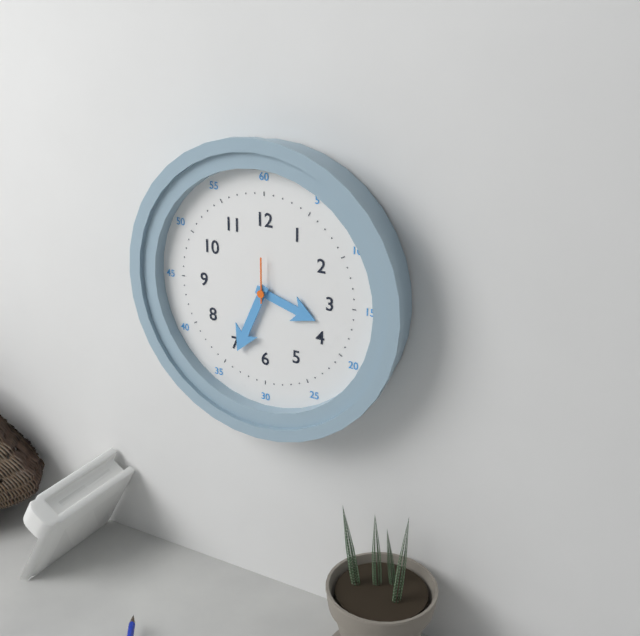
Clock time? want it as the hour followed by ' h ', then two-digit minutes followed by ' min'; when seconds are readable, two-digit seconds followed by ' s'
3 h 34 min
